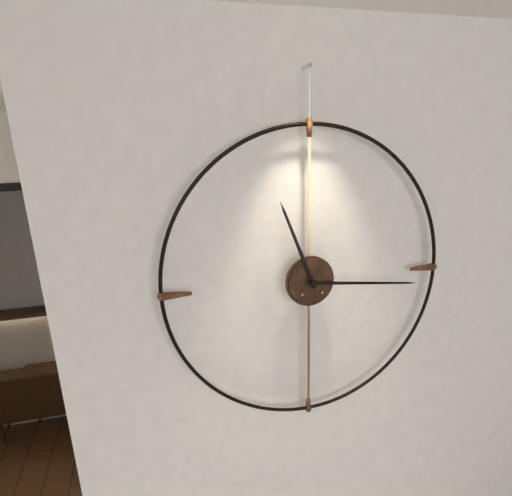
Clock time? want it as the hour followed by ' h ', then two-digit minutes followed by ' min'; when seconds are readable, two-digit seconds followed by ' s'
11 h 16 min
